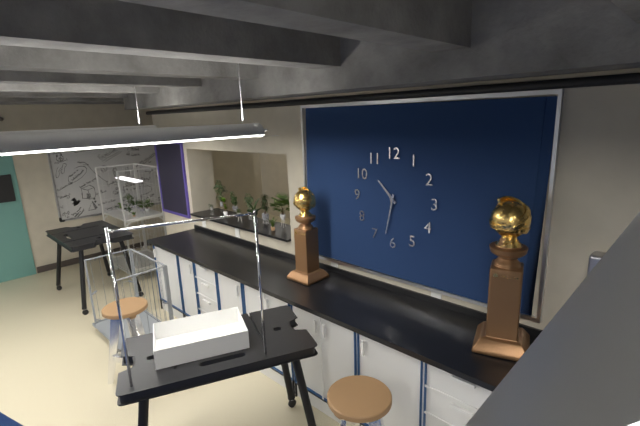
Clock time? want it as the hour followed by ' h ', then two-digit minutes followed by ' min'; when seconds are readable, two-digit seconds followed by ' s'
10 h 32 min
